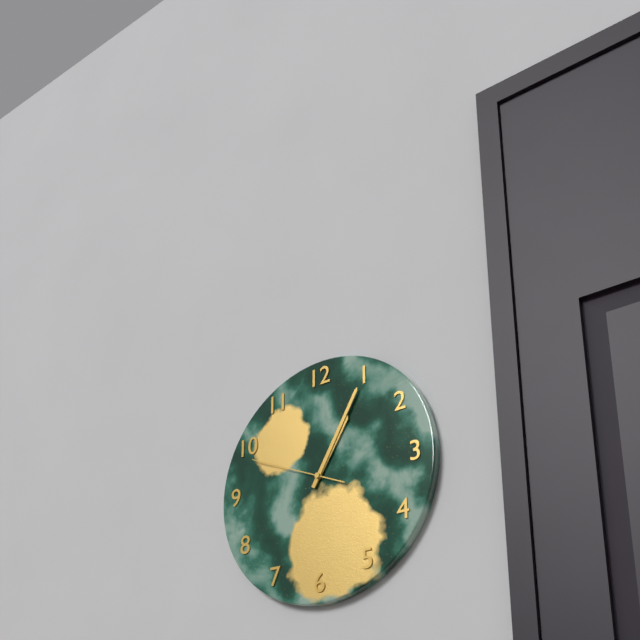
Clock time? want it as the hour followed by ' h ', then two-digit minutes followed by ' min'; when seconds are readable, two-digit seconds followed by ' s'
1 h 05 min 49 s
